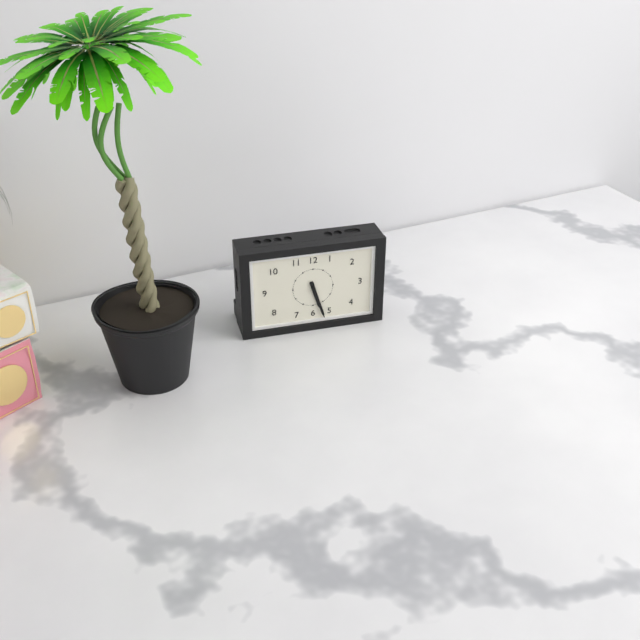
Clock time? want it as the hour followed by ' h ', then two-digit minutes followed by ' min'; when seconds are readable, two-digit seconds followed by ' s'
5 h 27 min
